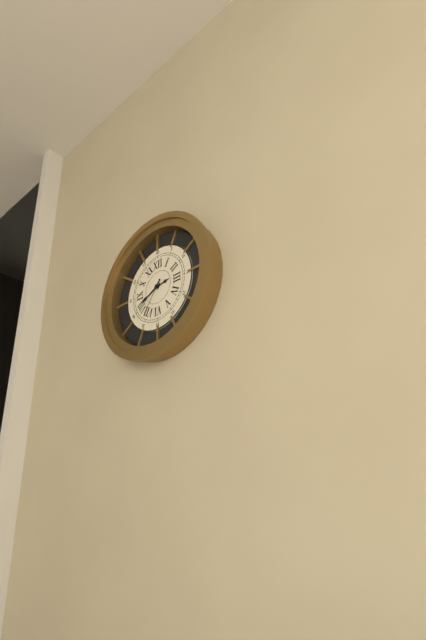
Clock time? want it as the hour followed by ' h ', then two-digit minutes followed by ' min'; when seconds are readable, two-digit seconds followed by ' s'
2 h 41 min
